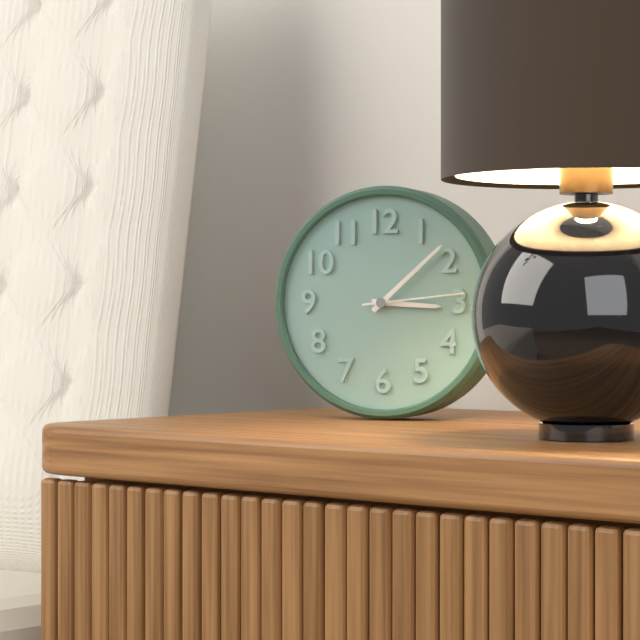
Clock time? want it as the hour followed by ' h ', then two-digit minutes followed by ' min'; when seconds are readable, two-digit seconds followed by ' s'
3 h 08 min 14 s
